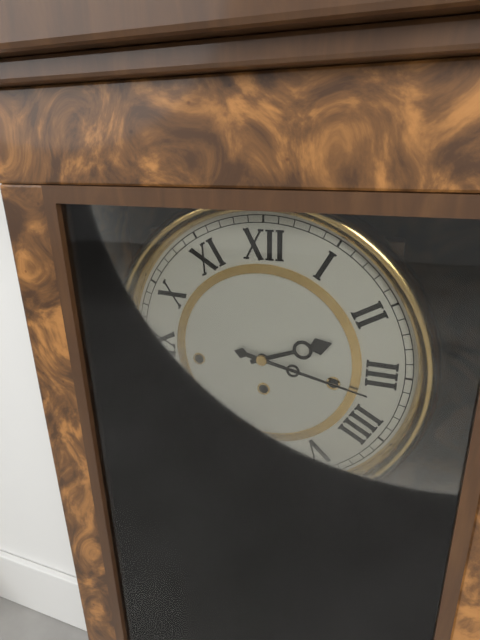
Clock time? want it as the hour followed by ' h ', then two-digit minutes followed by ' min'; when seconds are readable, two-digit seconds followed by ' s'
2 h 17 min
